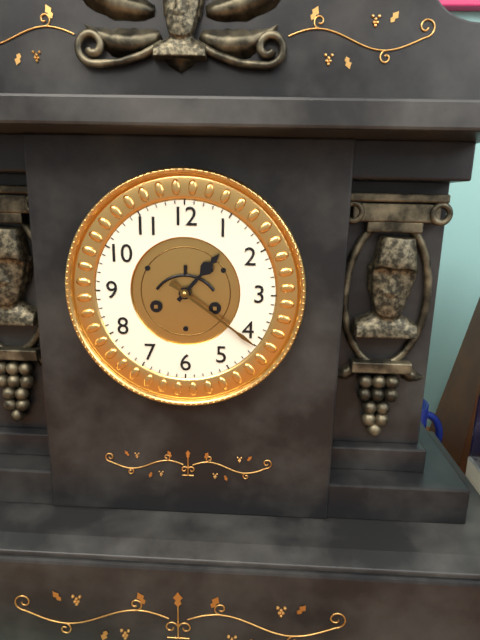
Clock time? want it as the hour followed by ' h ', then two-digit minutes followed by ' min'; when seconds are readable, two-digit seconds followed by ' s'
1 h 21 min
